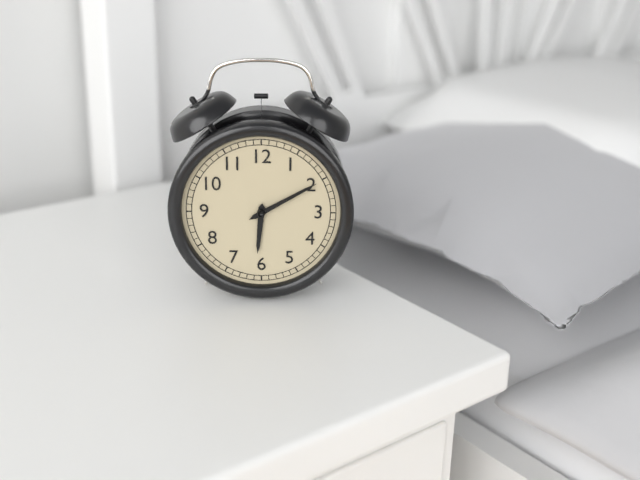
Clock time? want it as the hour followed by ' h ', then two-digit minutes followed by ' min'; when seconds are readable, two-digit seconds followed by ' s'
6 h 10 min
